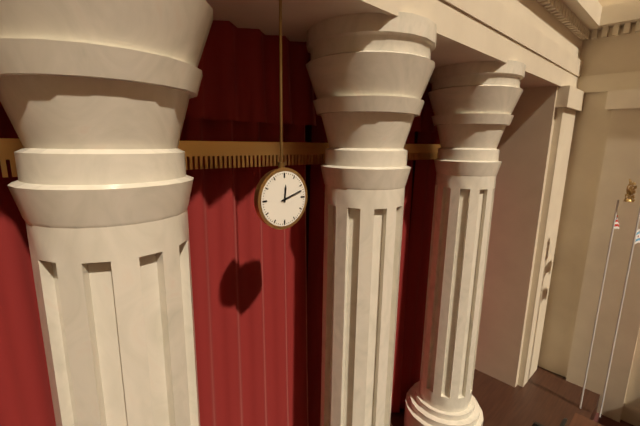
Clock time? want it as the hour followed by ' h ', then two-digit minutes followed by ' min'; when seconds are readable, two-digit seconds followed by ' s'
12 h 12 min
